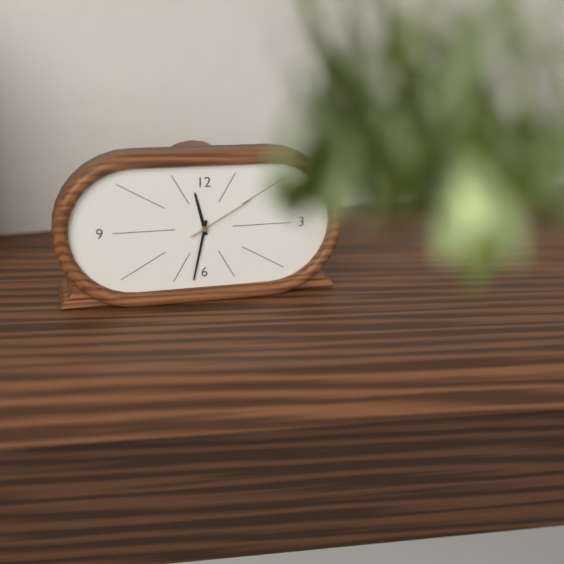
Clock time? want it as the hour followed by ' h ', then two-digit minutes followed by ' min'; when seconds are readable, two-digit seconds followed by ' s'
11 h 32 min 10 s
